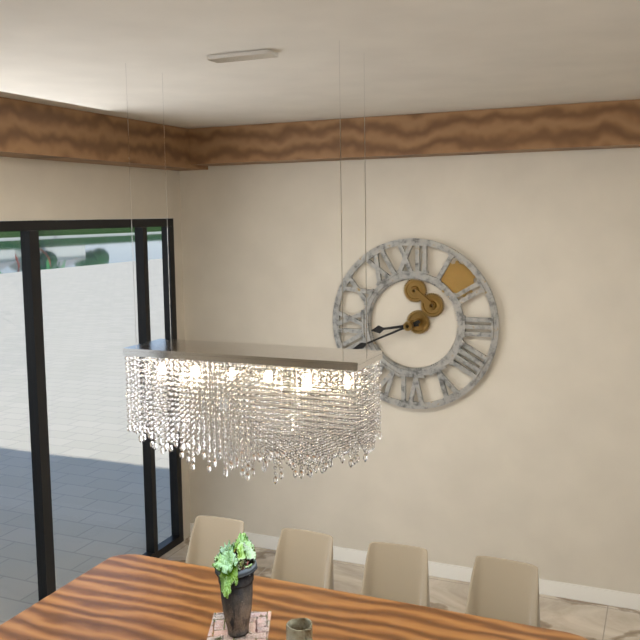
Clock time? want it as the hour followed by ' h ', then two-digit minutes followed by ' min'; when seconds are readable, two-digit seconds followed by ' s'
8 h 41 min
